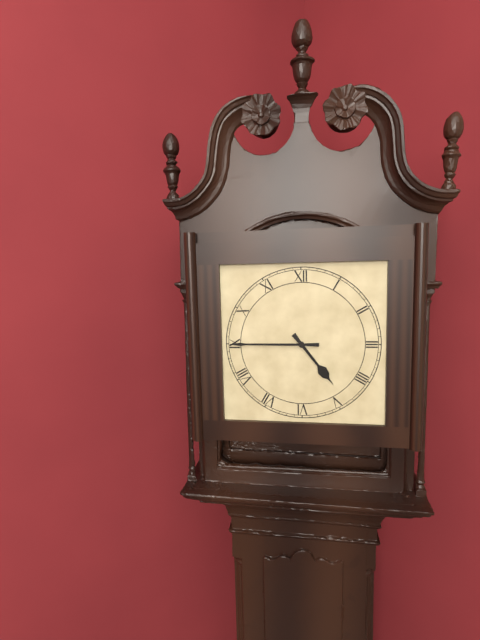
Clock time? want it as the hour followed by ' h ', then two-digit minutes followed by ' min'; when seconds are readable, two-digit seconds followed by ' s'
4 h 45 min
